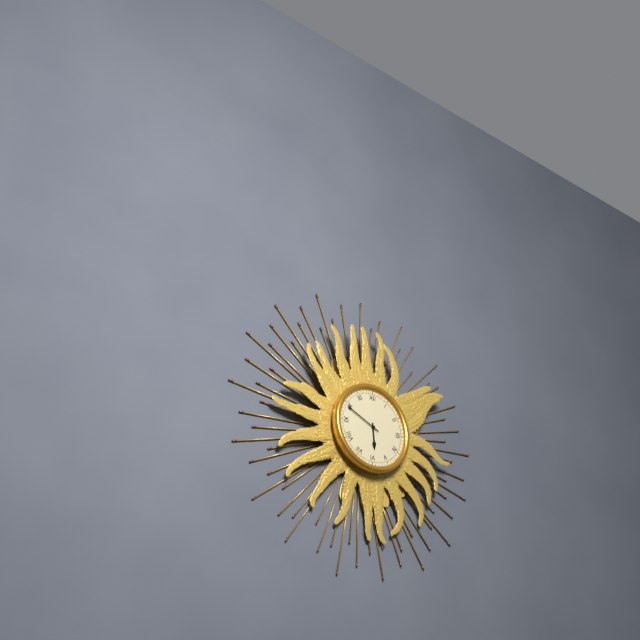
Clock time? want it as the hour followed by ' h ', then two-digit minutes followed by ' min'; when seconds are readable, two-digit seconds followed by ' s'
5 h 49 min
